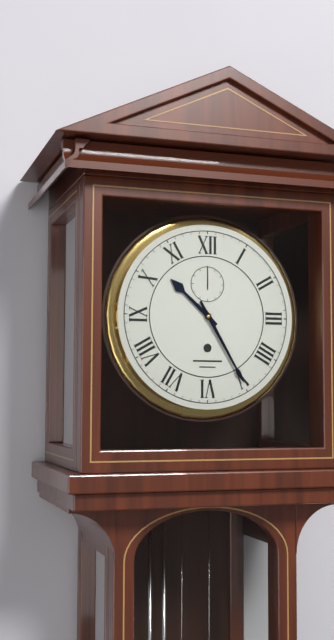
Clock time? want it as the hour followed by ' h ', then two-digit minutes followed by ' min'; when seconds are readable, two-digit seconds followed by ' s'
10 h 25 min
